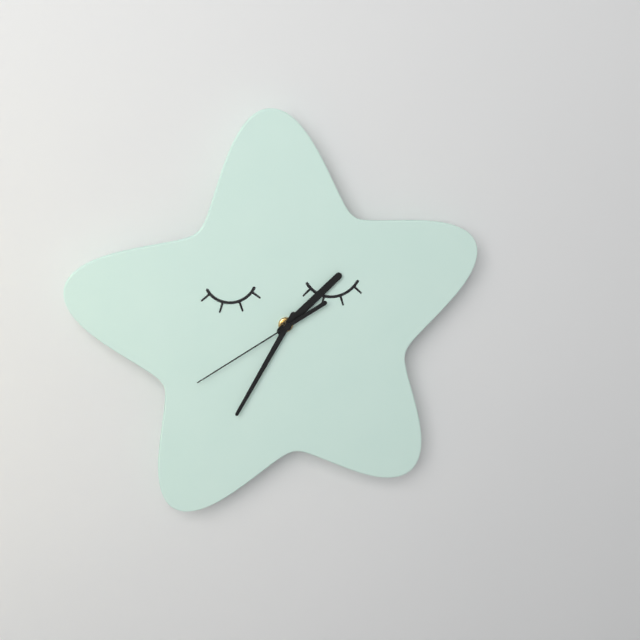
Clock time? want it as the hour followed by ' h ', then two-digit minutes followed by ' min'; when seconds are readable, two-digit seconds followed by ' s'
1 h 35 min 40 s
